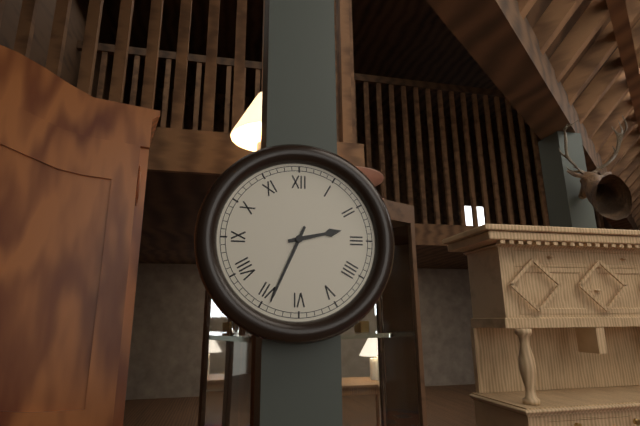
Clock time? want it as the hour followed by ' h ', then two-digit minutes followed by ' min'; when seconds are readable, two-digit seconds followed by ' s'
2 h 34 min
